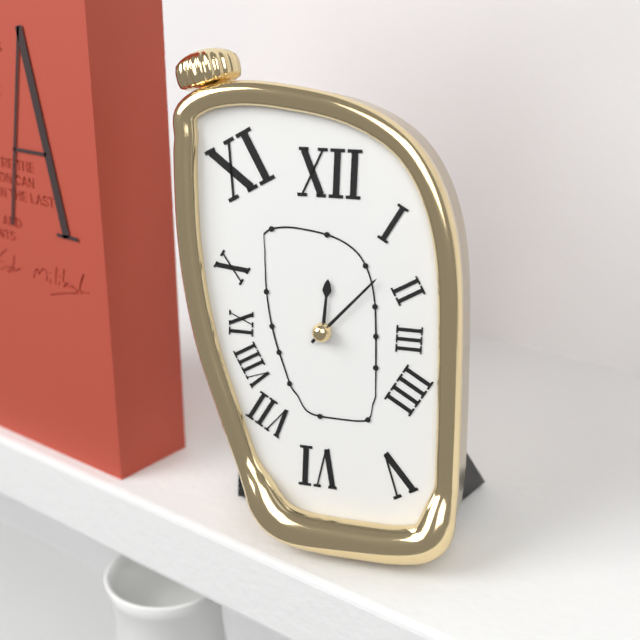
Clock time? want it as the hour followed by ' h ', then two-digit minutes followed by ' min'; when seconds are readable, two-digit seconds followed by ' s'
12 h 07 min
